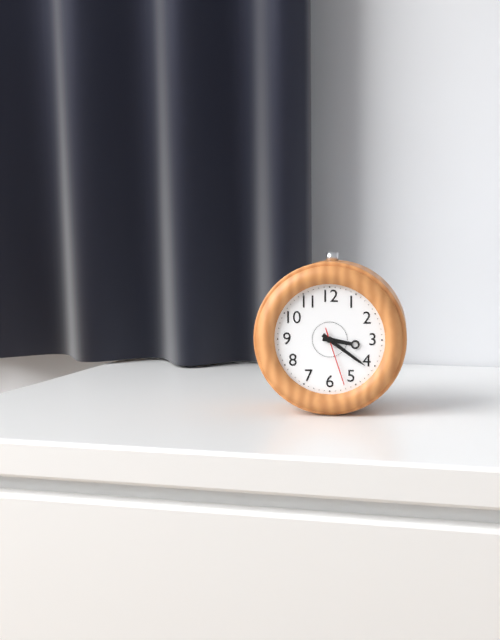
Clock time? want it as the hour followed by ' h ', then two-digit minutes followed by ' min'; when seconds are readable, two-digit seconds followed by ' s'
3 h 21 min 27 s
